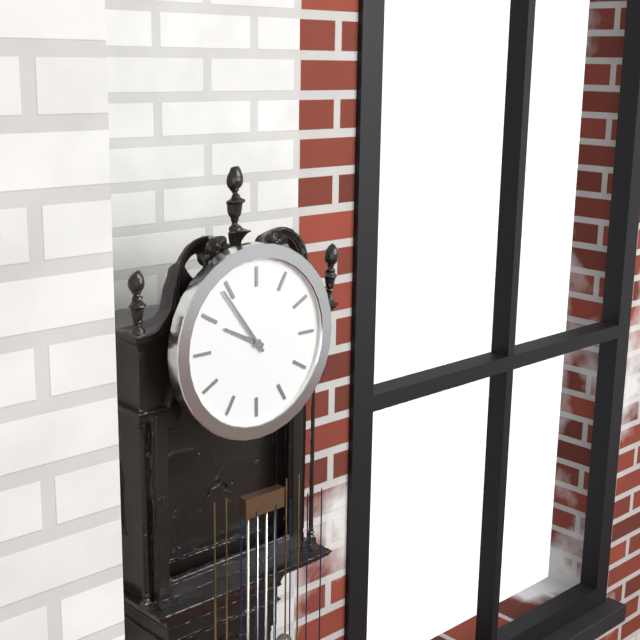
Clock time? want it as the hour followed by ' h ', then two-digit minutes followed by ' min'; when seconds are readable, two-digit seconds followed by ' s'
9 h 54 min
